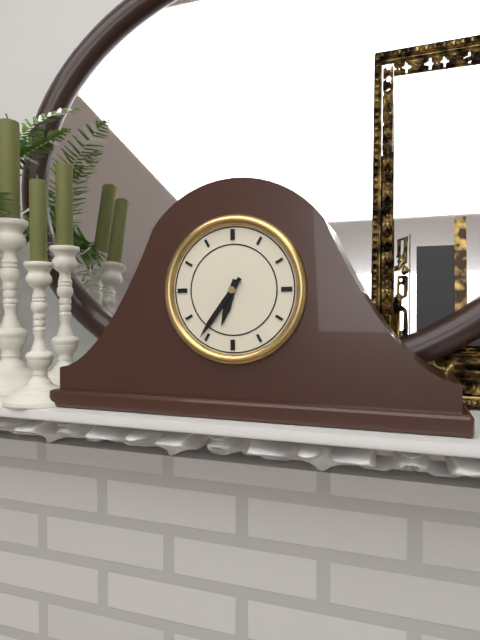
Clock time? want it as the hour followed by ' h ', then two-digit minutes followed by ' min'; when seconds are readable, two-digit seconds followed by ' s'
6 h 36 min
